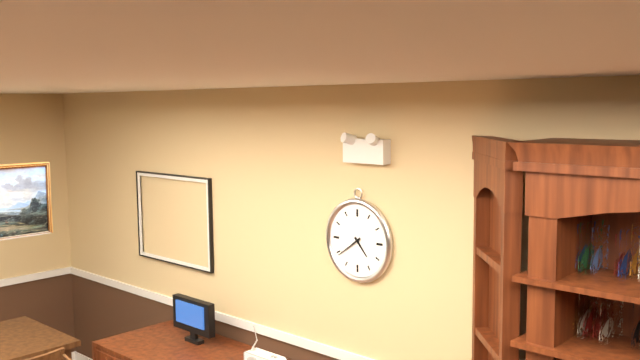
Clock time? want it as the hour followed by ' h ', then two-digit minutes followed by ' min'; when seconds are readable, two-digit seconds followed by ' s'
4 h 39 min
